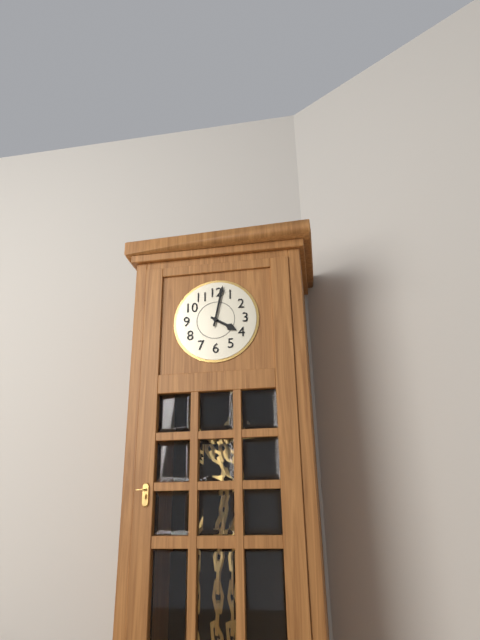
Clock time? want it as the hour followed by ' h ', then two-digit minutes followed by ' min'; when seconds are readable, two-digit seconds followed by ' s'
4 h 02 min
